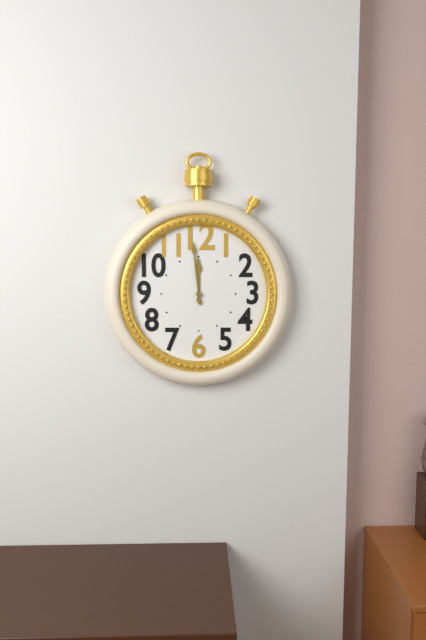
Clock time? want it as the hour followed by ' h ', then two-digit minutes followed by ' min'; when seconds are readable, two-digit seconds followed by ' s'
11 h 59 min
